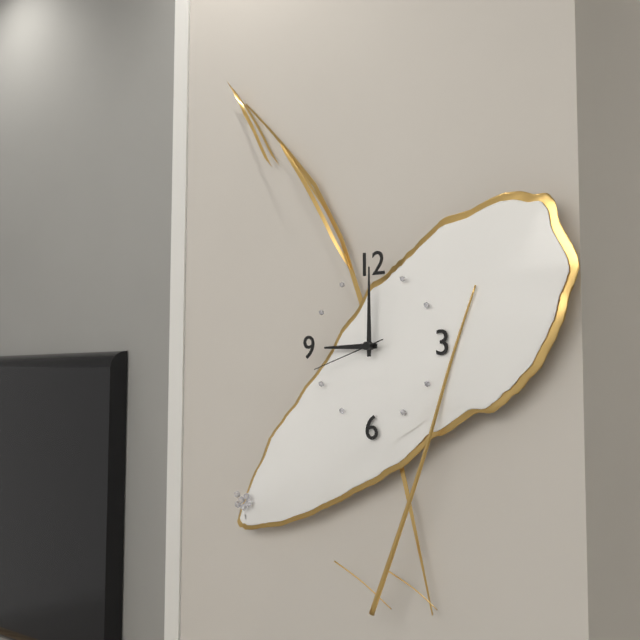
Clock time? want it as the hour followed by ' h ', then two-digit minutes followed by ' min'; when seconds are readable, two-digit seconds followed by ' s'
9 h 00 min 42 s
